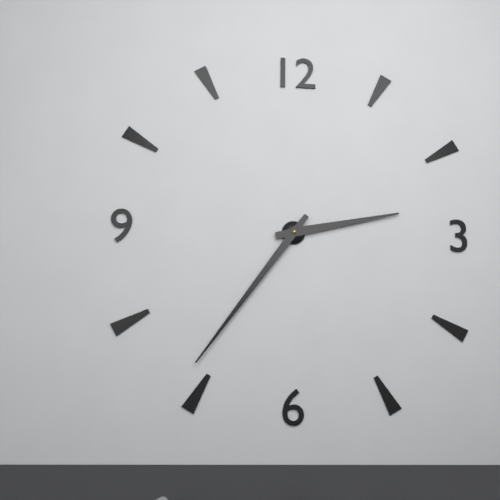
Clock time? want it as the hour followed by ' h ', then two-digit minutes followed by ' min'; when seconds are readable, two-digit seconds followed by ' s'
2 h 36 min
